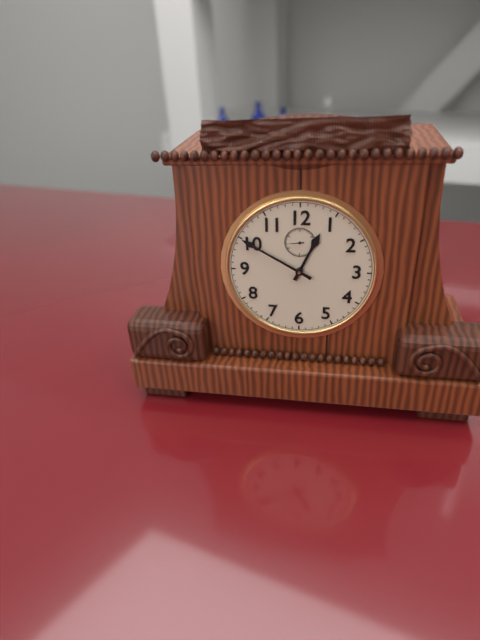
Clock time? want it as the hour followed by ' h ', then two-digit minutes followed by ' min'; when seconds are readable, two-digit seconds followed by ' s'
12 h 50 min
